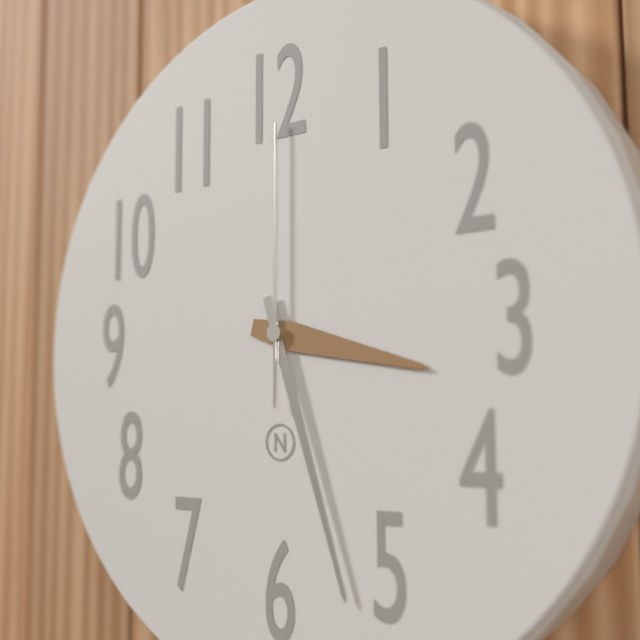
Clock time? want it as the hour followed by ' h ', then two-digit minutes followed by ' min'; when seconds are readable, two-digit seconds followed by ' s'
3 h 27 min 00 s
